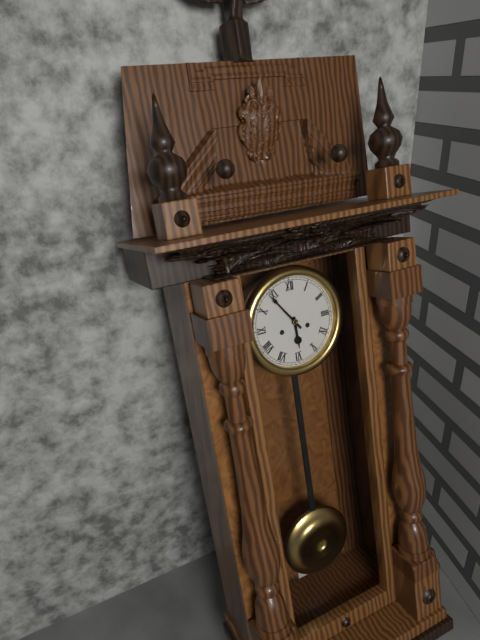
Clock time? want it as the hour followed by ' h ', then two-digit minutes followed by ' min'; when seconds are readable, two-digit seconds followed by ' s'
5 h 54 min
